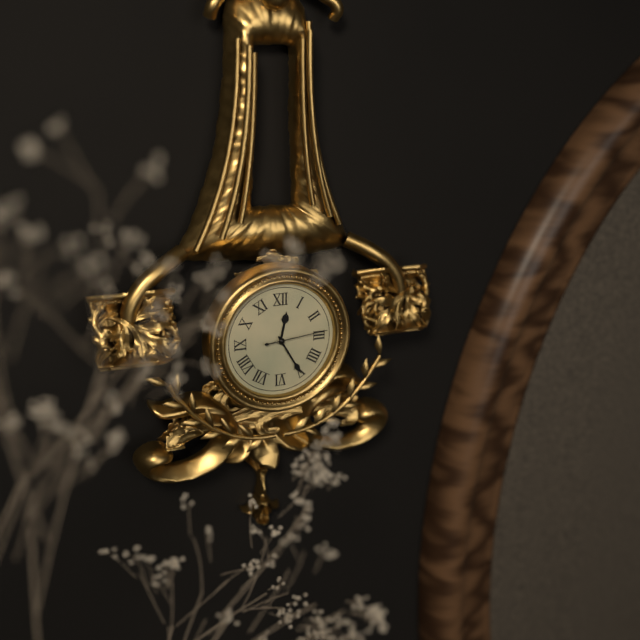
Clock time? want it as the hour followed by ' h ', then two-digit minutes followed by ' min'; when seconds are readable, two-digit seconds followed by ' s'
12 h 25 min 14 s
